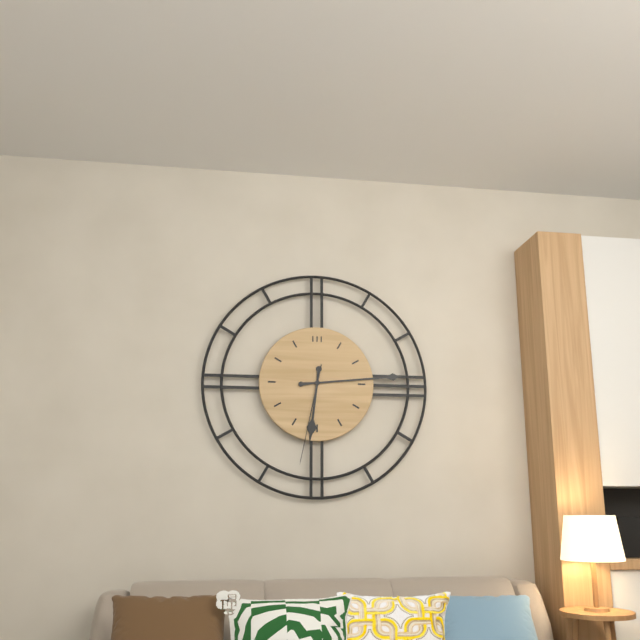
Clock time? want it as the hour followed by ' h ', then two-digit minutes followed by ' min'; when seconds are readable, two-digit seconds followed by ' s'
6 h 14 min 32 s
